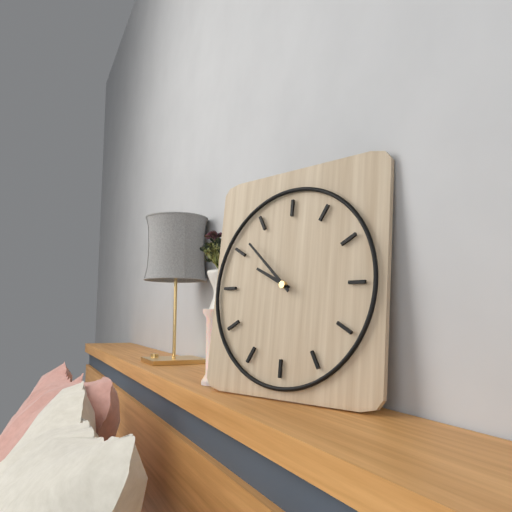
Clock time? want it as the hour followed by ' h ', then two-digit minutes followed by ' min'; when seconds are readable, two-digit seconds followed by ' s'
9 h 52 min
